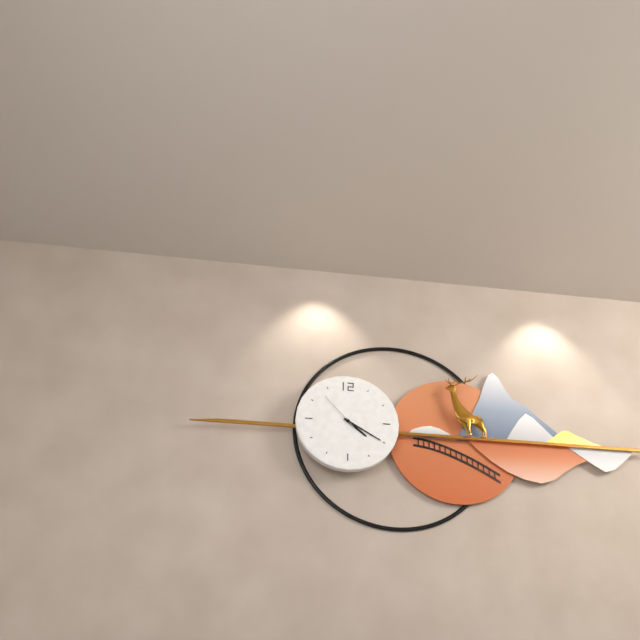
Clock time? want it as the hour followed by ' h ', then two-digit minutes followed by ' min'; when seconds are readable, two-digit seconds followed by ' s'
4 h 20 min
